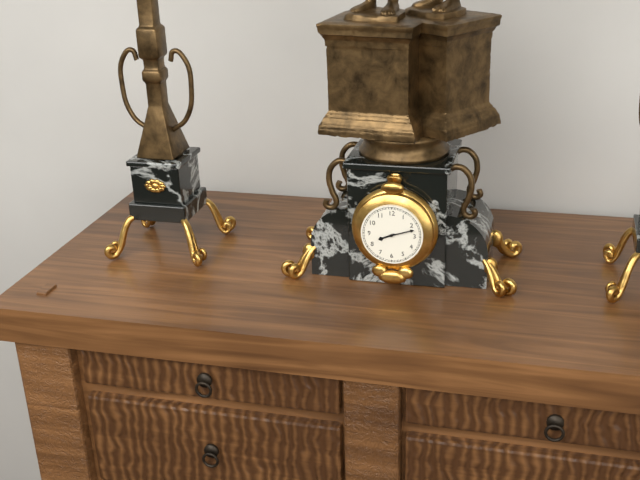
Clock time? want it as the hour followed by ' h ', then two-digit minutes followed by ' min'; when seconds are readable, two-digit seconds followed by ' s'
8 h 12 min
